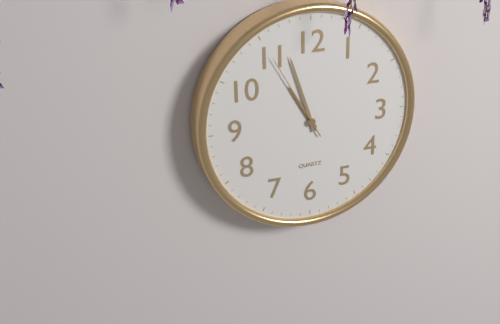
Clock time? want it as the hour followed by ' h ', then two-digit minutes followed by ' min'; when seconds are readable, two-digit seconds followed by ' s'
10 h 57 min 55 s
